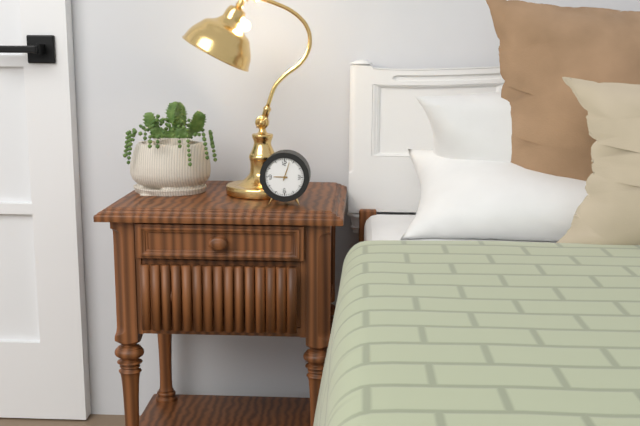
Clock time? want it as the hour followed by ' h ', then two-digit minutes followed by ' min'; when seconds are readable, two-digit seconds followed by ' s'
9 h 03 min
